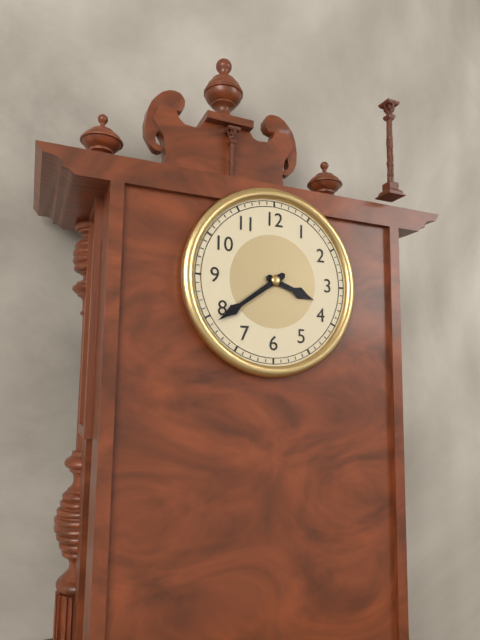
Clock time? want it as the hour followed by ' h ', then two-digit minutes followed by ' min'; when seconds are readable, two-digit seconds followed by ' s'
3 h 39 min
